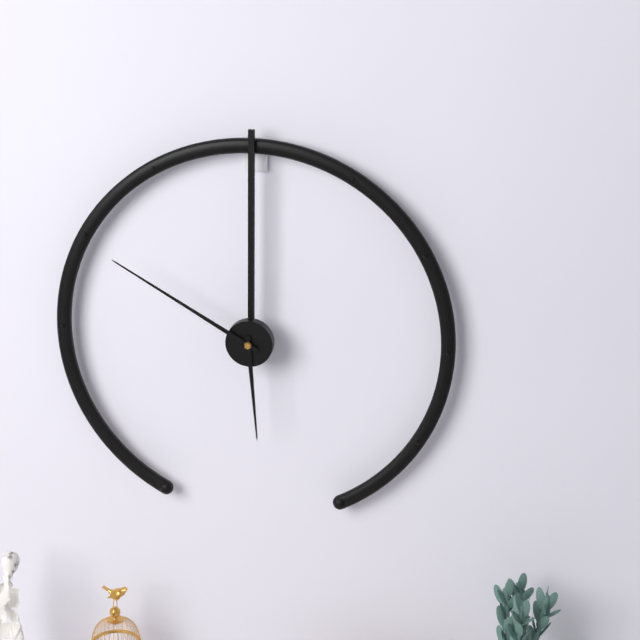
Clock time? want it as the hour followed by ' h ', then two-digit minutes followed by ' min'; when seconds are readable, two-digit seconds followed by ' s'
5 h 50 min
